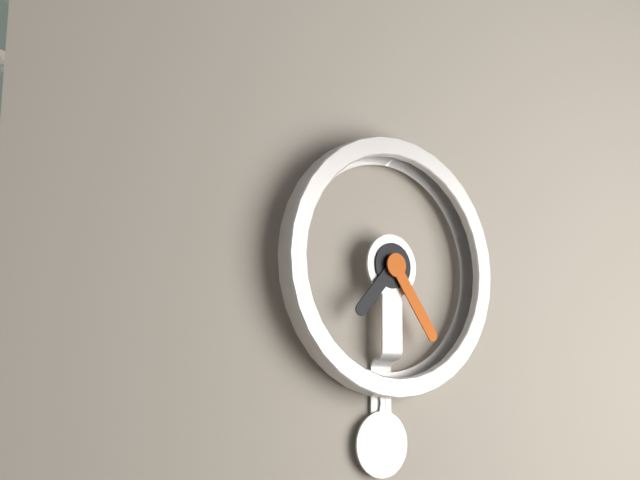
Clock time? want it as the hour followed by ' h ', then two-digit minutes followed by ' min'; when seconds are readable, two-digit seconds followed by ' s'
7 h 24 min
